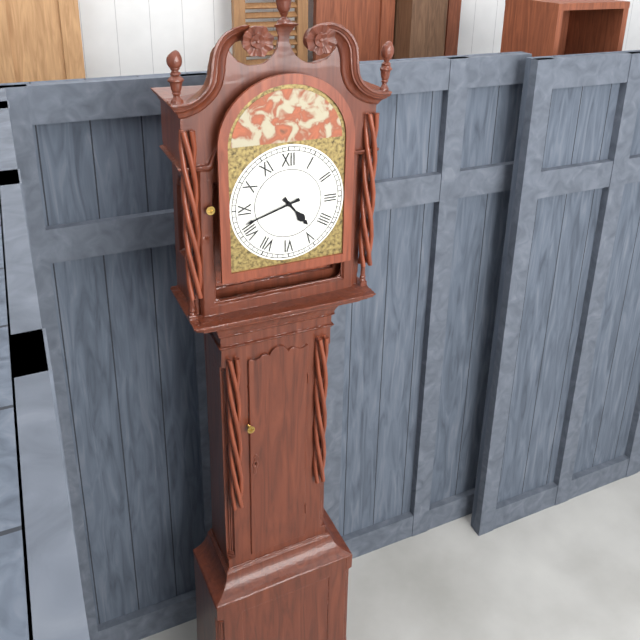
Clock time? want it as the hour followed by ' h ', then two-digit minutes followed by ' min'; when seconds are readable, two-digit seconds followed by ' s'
4 h 42 min
